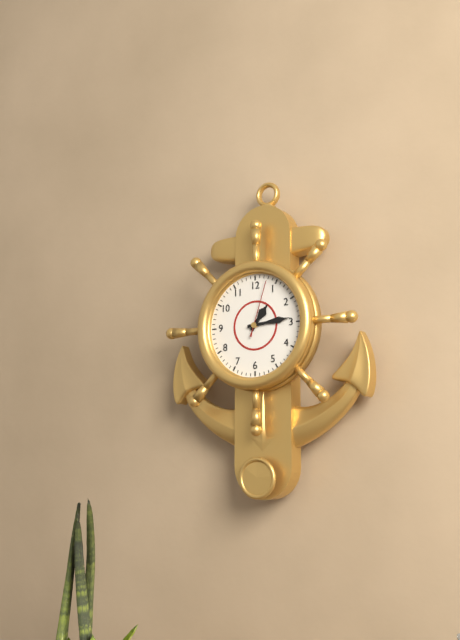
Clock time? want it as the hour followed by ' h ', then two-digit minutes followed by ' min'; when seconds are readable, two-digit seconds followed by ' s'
1 h 14 min 03 s
